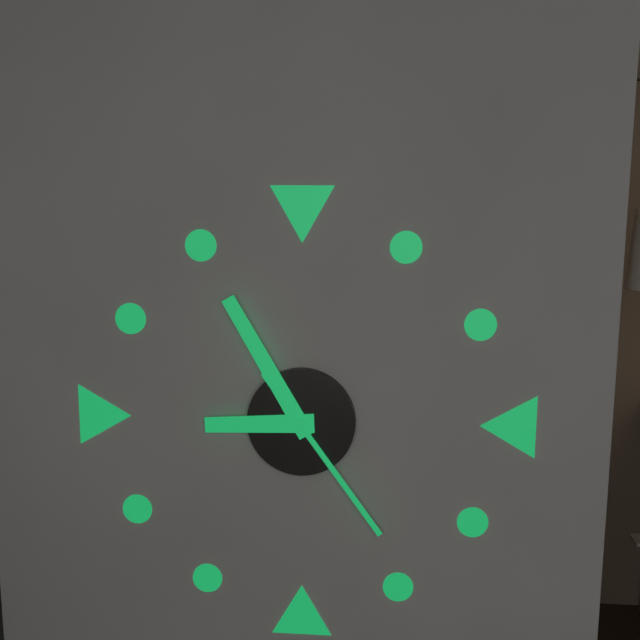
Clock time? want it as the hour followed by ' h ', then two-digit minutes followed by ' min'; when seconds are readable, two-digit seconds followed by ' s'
8 h 55 min 24 s
